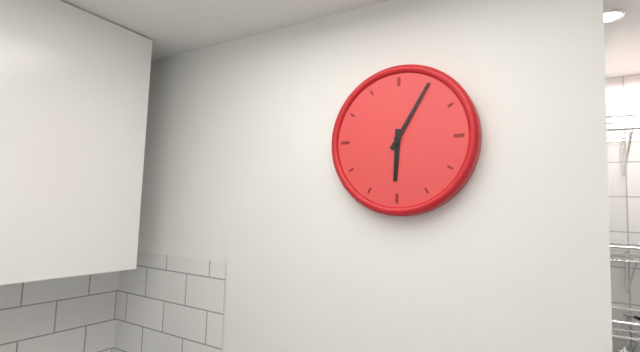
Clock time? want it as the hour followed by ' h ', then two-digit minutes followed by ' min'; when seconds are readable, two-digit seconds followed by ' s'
6 h 05 min
